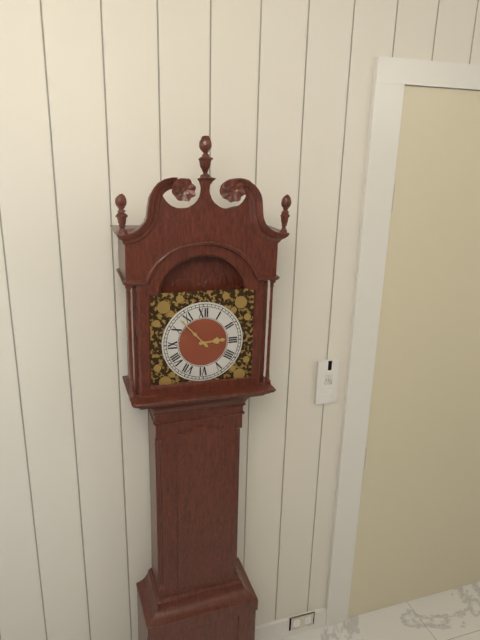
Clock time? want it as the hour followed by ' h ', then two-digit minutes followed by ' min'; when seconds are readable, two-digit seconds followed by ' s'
2 h 53 min
